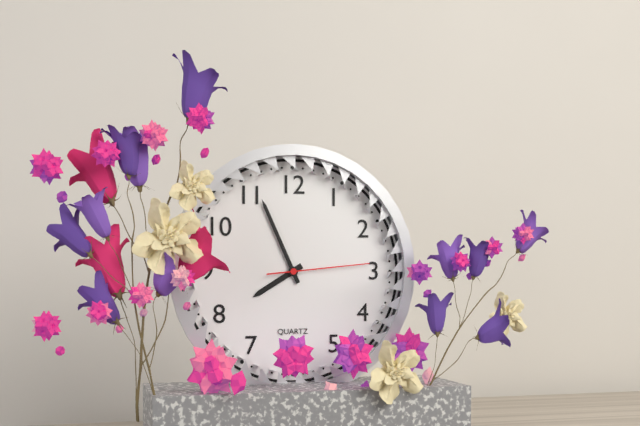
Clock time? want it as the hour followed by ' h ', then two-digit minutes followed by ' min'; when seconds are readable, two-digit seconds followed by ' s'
7 h 56 min 14 s
